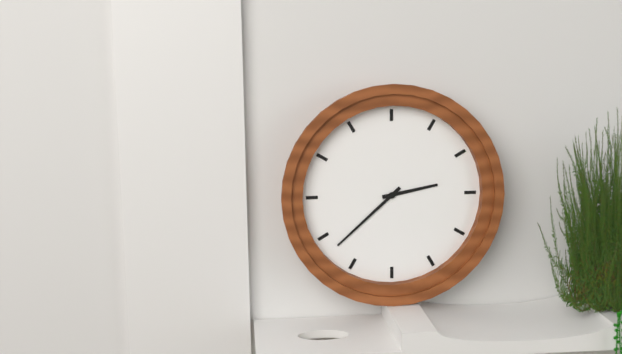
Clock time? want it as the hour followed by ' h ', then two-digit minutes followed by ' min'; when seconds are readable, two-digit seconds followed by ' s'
2 h 38 min
